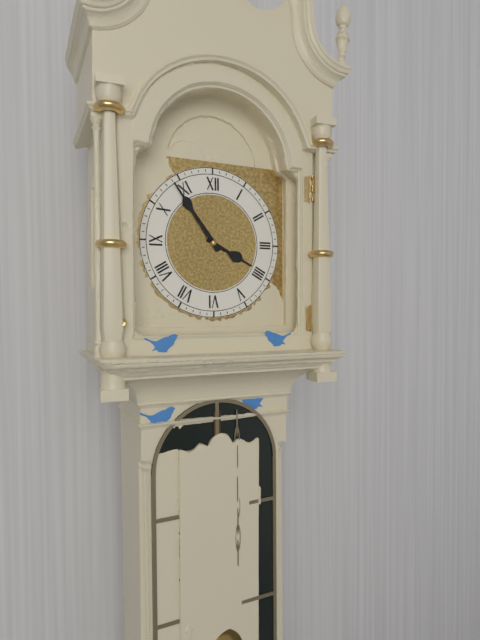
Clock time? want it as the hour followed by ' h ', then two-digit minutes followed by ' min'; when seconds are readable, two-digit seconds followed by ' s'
3 h 54 min
